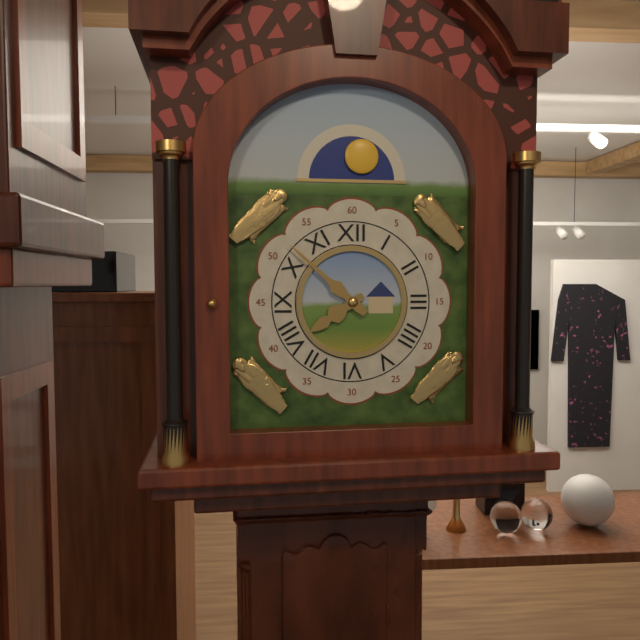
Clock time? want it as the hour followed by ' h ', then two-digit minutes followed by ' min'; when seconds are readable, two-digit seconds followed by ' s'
7 h 52 min
